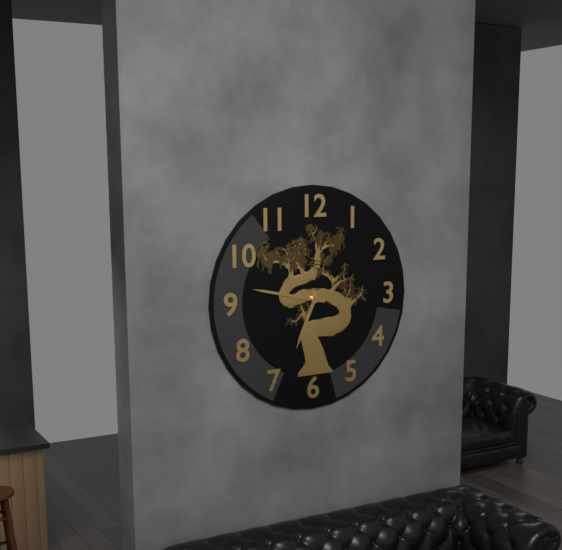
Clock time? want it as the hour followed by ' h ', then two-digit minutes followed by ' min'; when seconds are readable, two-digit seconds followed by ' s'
6 h 47 min
